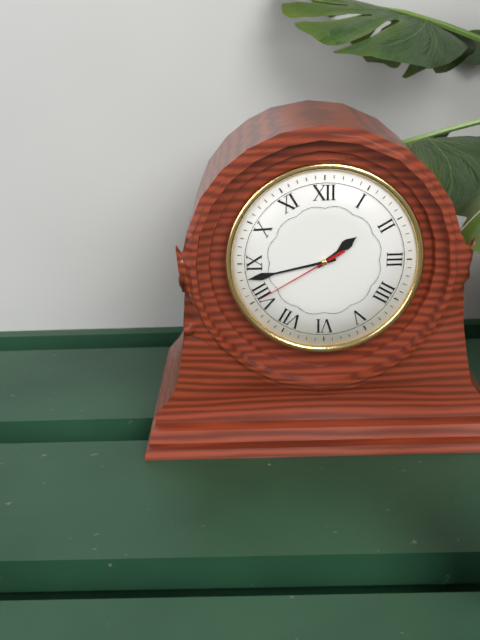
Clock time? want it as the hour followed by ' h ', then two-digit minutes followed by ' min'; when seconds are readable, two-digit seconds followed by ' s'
1 h 43 min 40 s
